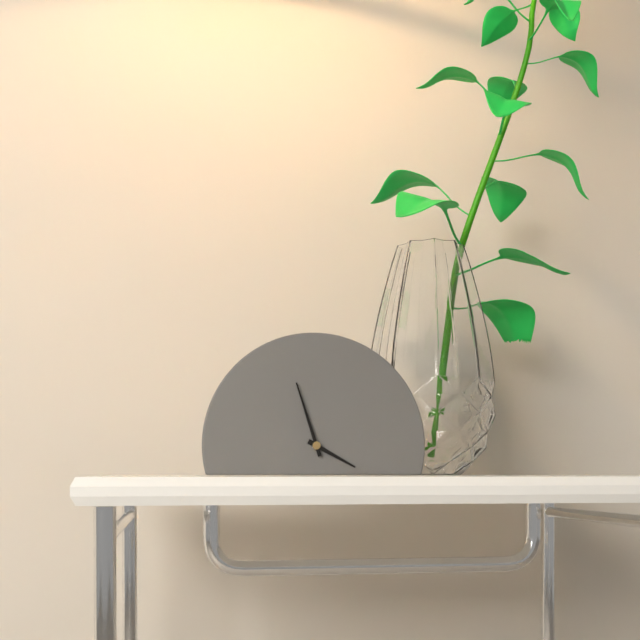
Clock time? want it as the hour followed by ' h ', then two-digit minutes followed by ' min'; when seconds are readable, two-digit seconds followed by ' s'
3 h 57 min
